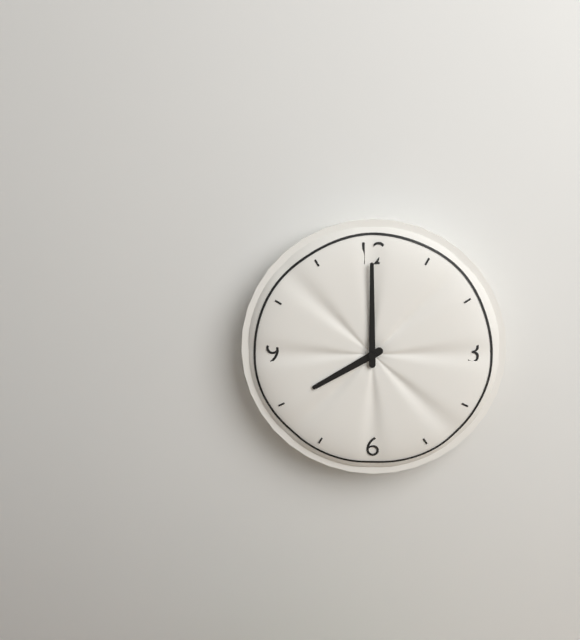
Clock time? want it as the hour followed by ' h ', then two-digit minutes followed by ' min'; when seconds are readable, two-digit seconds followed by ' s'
8 h 00 min
